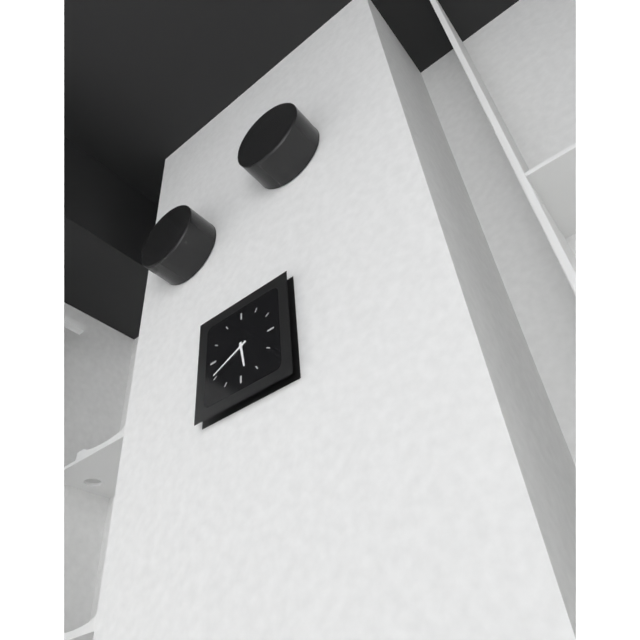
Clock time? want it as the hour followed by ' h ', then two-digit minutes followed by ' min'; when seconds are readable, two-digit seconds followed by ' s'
5 h 41 min
